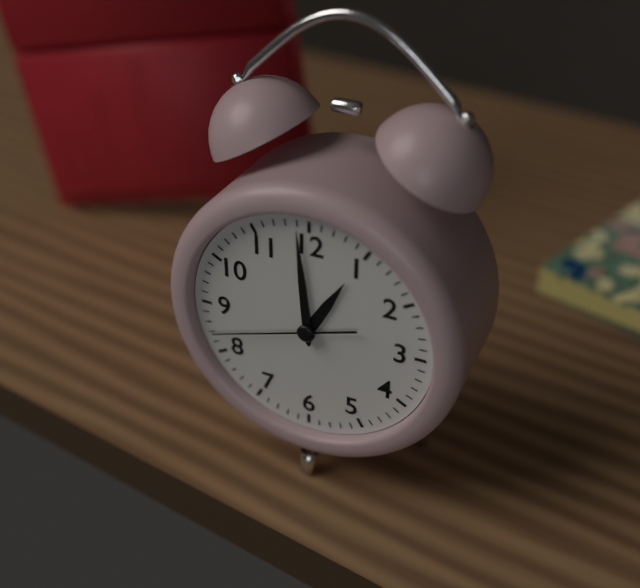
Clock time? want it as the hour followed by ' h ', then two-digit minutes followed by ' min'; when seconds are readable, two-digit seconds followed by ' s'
12 h 59 min 42 s
